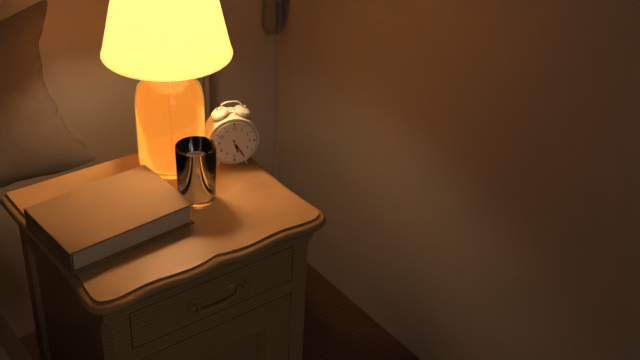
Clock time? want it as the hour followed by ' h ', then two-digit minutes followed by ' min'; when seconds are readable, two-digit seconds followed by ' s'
5 h 25 min
